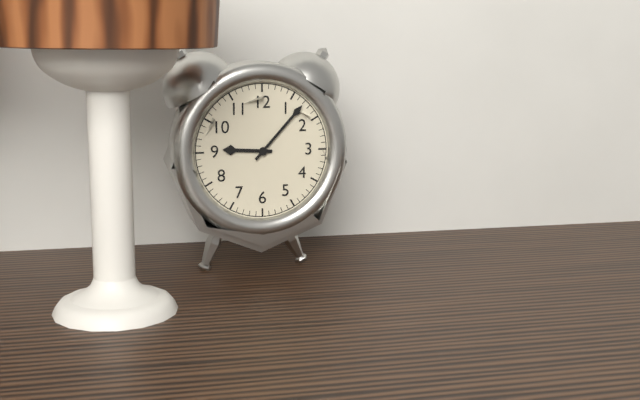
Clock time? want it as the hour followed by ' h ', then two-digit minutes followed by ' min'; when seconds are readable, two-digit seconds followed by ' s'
9 h 07 min
